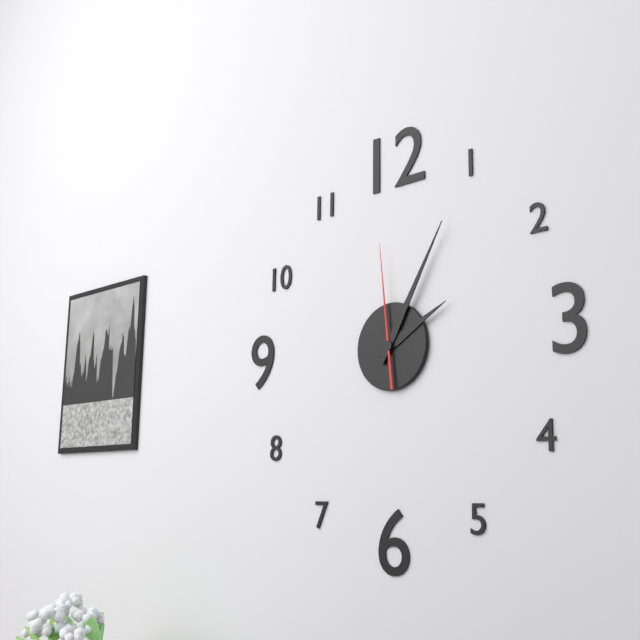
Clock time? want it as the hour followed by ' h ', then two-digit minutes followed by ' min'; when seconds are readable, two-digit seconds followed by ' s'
2 h 05 min 59 s
